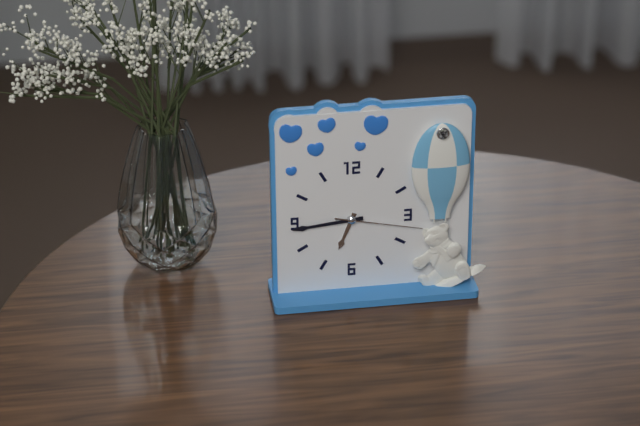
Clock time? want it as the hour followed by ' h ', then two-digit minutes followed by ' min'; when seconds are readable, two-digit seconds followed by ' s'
6 h 44 min 17 s
